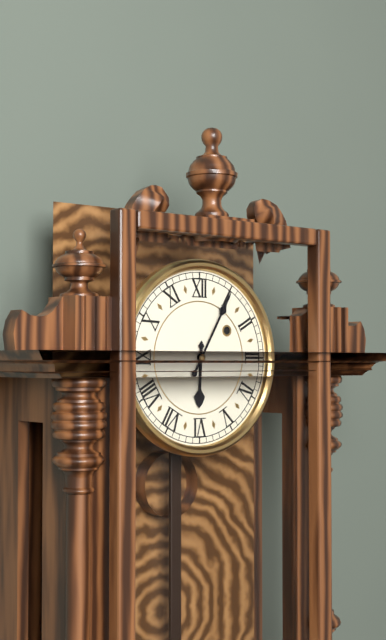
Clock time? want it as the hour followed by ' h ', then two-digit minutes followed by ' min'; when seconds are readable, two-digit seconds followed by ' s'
6 h 05 min
